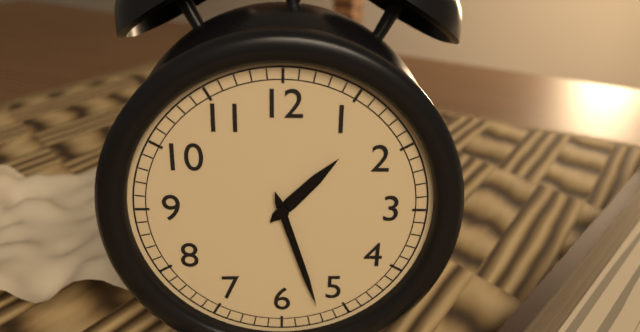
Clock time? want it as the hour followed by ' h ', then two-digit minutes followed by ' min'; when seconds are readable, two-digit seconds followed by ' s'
1 h 27 min
